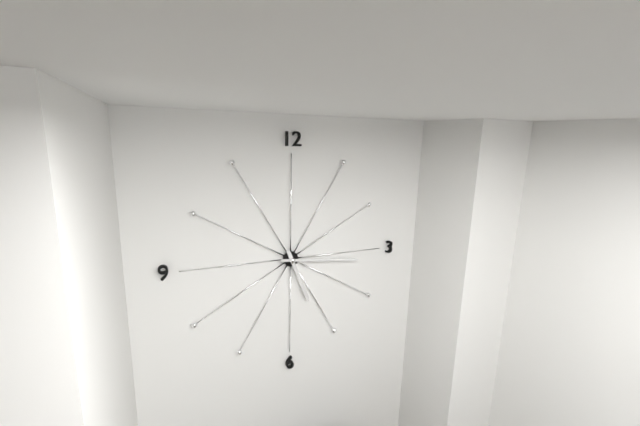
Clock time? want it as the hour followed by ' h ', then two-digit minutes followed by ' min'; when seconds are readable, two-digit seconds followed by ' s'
5 h 16 min
